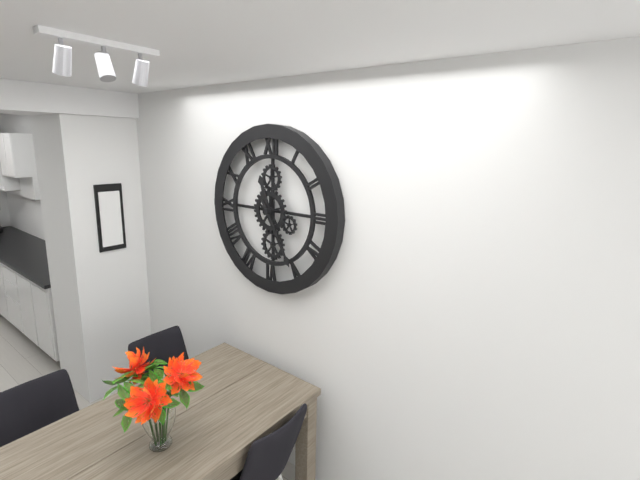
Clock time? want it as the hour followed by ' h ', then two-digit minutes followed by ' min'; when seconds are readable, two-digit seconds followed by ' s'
11 h 25 min
